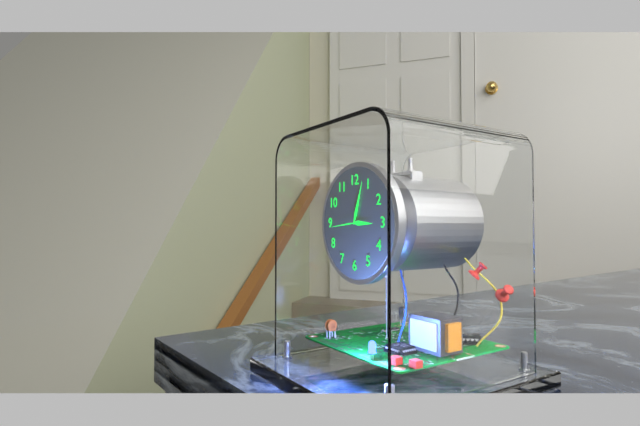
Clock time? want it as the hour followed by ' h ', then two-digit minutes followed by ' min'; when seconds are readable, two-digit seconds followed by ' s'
3 h 03 min
